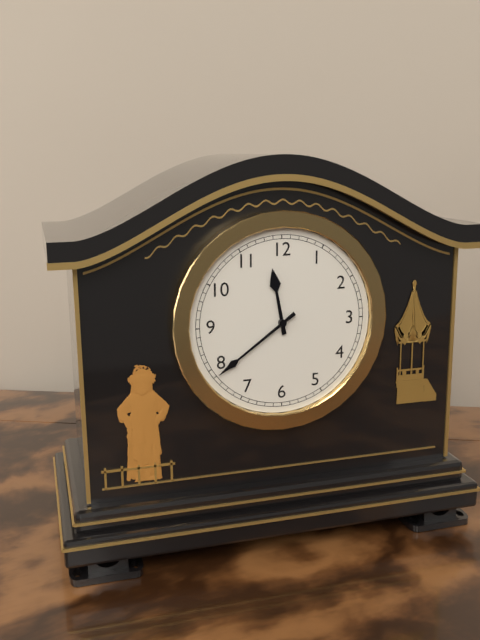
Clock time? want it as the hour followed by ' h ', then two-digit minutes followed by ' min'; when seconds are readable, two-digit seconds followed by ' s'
11 h 39 min
